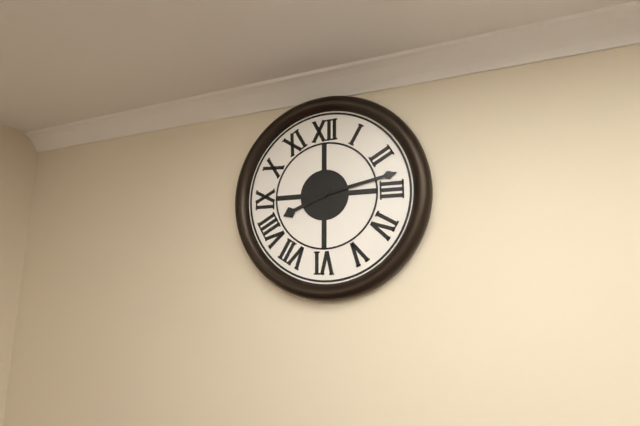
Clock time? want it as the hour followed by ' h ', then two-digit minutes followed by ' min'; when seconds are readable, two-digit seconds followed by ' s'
8 h 13 min
